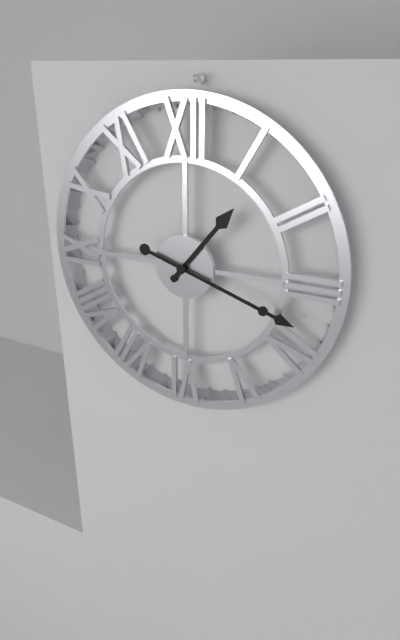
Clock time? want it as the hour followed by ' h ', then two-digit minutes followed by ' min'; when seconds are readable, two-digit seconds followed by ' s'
1 h 18 min
